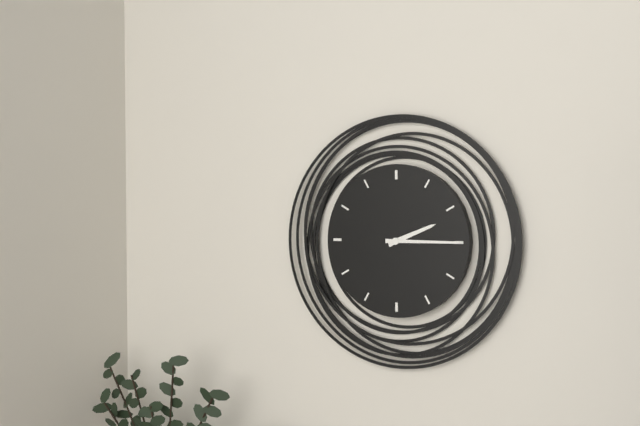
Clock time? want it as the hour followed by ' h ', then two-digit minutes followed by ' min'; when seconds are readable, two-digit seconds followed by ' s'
2 h 15 min
